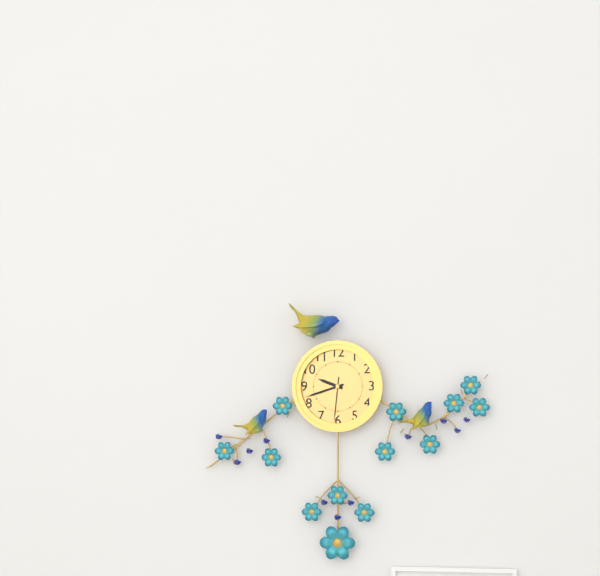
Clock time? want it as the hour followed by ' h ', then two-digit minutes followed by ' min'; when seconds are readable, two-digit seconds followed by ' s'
9 h 42 min
